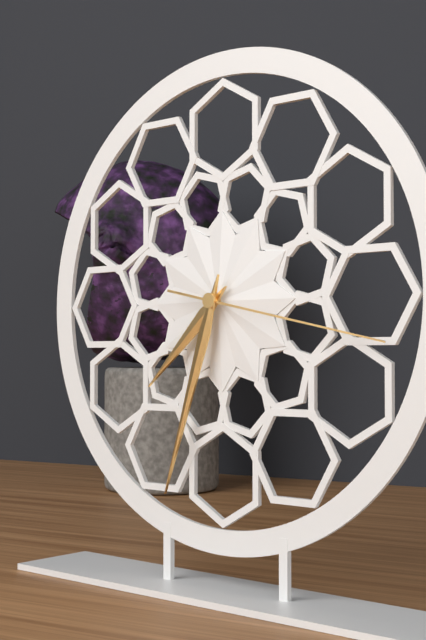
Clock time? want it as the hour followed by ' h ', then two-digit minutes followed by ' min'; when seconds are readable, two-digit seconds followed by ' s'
7 h 33 min 17 s
